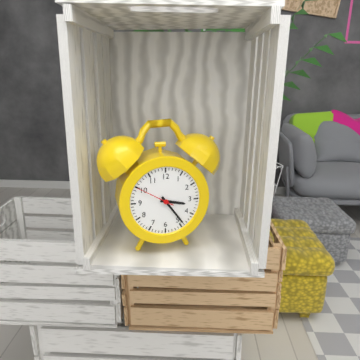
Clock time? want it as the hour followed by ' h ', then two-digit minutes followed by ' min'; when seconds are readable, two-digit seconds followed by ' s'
3 h 24 min
